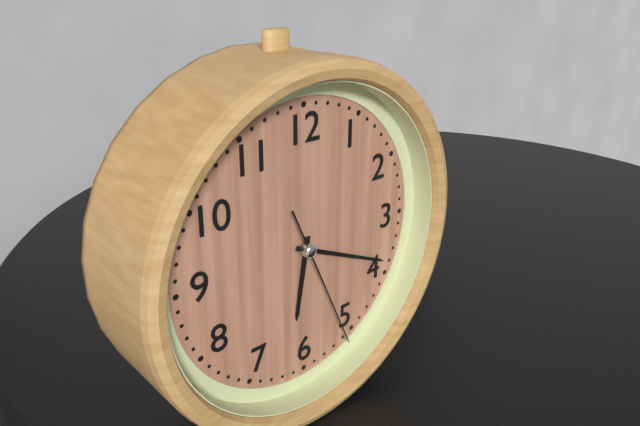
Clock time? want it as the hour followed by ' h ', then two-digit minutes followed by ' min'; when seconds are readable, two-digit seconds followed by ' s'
6 h 19 min 26 s
